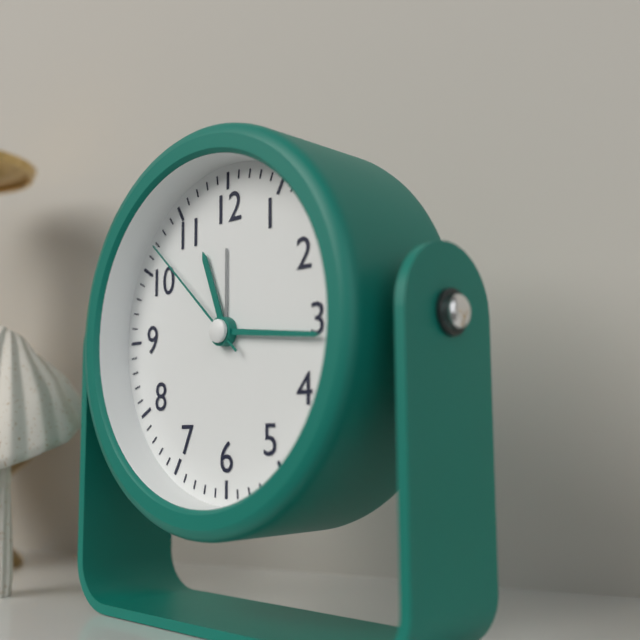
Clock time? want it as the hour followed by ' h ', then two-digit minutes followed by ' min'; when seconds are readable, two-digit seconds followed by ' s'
11 h 16 min 52 s
